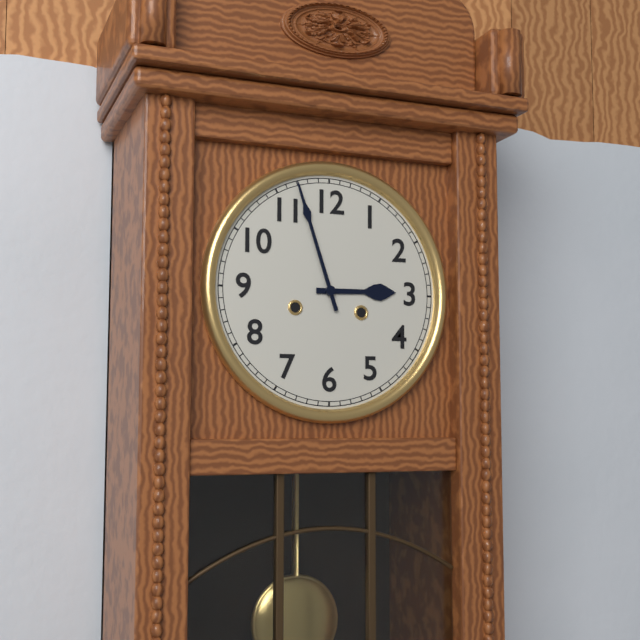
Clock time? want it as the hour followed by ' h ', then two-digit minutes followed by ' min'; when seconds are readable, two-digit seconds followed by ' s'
2 h 57 min
